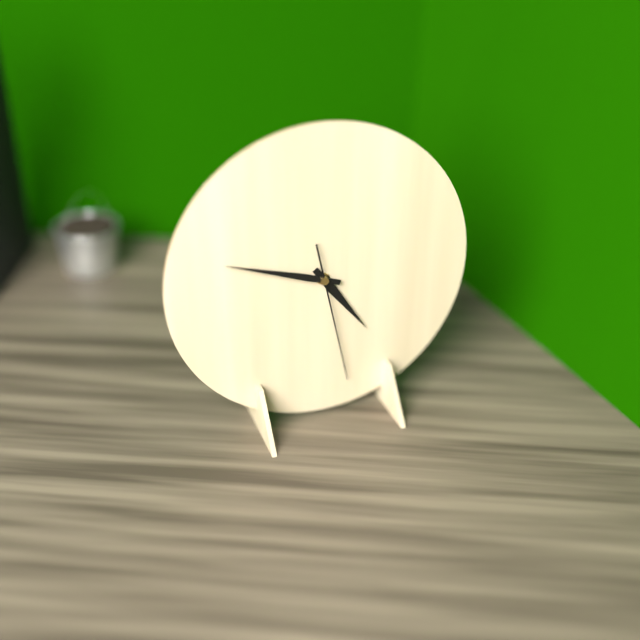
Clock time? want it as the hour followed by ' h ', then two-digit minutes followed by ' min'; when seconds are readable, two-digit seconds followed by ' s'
4 h 48 min 28 s
